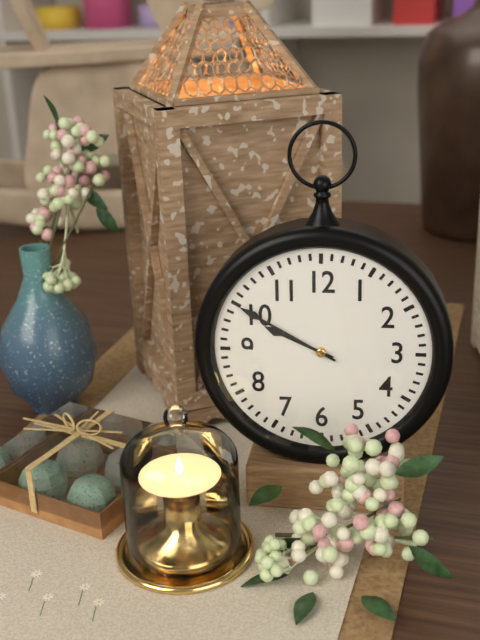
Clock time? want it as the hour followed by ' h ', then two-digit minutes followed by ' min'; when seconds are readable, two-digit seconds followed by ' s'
9 h 50 min
